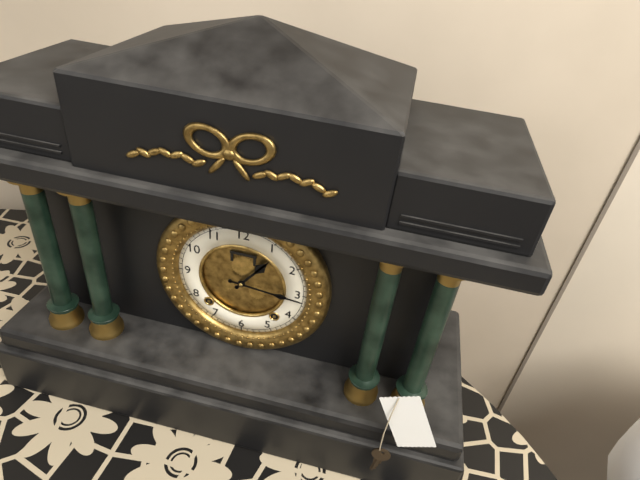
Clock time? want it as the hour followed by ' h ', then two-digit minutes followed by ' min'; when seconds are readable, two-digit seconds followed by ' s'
1 h 16 min
